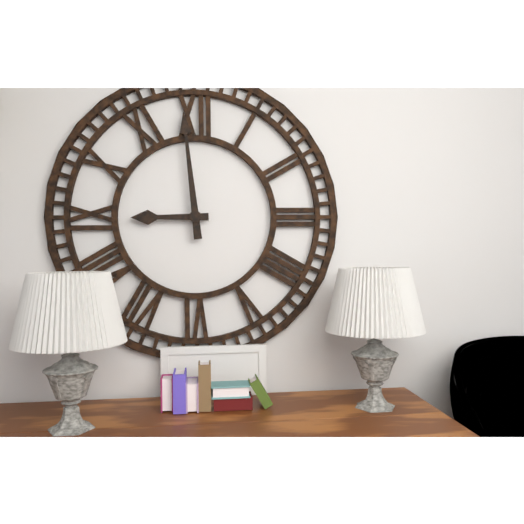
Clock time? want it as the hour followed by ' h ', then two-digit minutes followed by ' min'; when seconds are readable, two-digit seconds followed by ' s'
8 h 59 min
